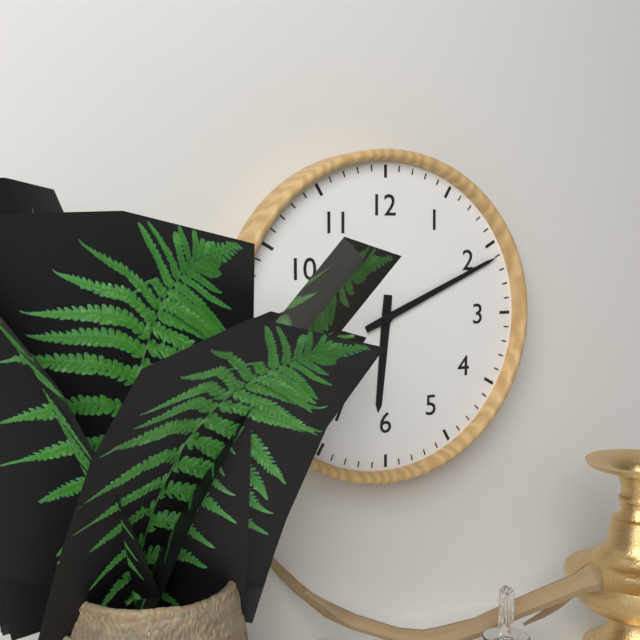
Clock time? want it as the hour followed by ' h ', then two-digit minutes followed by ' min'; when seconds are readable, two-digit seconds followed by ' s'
6 h 11 min
